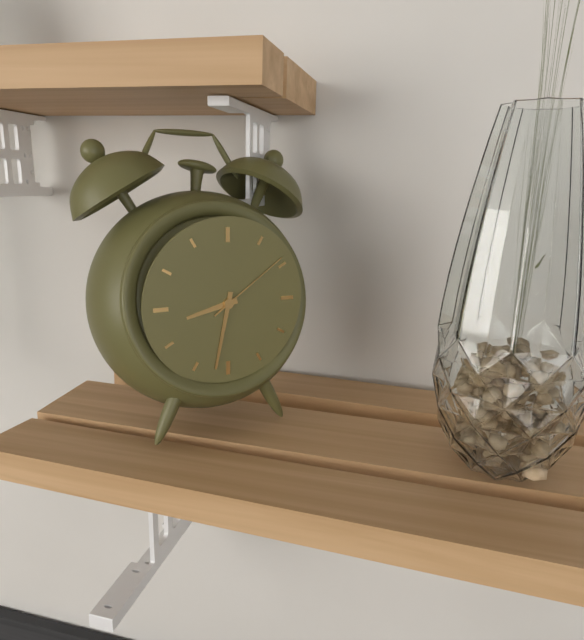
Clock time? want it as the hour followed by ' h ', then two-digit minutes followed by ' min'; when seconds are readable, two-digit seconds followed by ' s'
8 h 32 min 09 s
